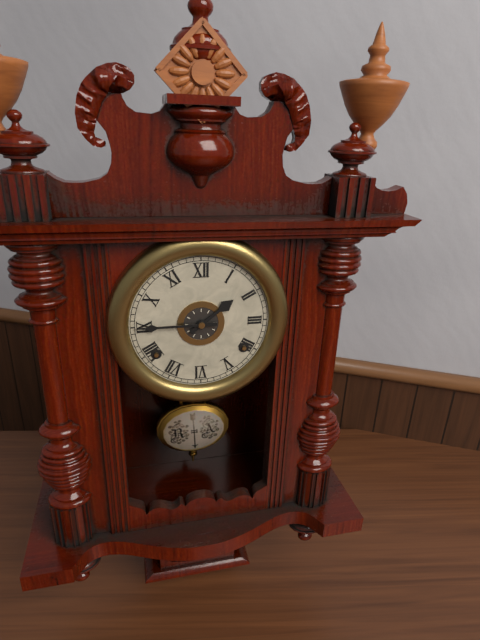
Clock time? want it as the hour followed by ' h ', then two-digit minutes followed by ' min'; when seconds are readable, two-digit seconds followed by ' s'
1 h 45 min
